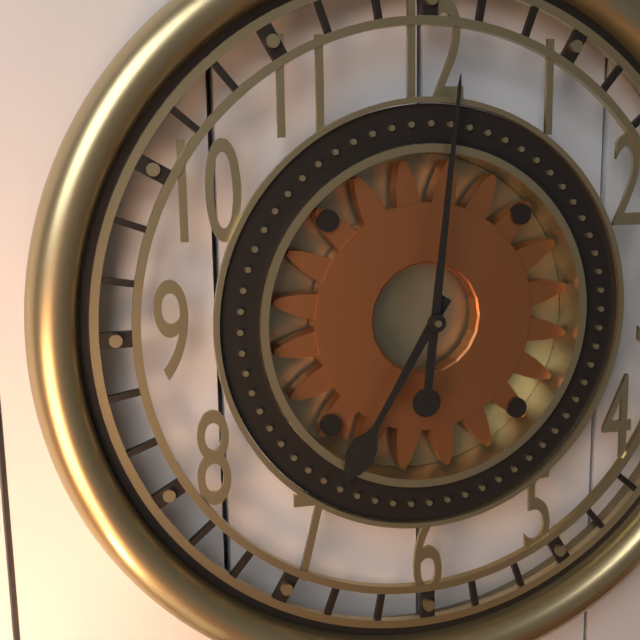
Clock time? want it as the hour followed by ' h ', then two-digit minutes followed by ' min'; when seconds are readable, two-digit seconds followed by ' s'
7 h 01 min
